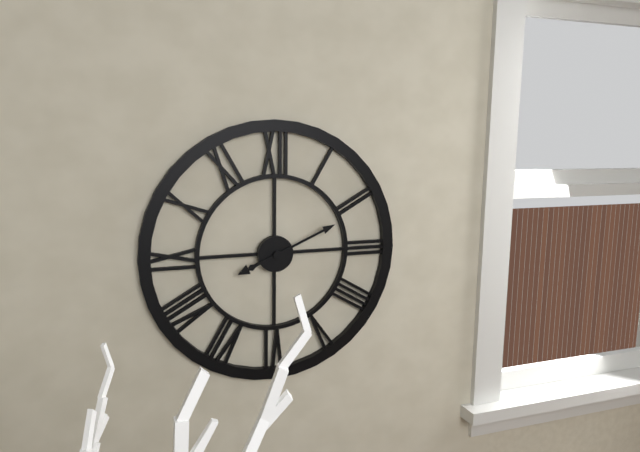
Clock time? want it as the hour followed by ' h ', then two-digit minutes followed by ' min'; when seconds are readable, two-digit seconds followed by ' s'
8 h 11 min
